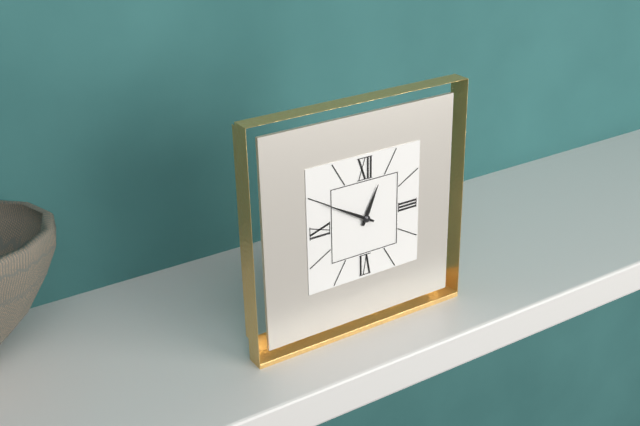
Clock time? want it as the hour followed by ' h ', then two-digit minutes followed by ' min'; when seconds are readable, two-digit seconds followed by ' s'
12 h 50 min
